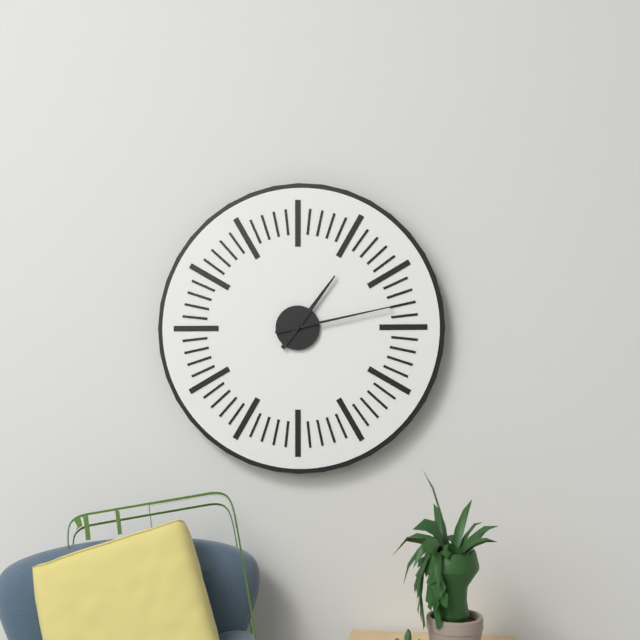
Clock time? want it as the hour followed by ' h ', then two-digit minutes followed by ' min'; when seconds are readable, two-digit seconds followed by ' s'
1 h 13 min
